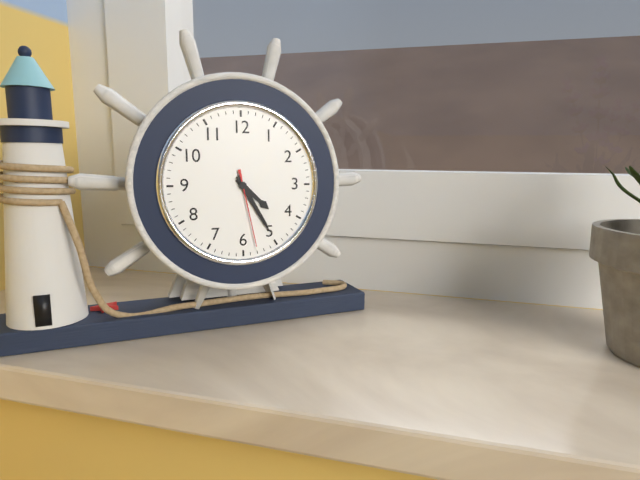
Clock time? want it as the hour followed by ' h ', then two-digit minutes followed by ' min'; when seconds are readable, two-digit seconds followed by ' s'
4 h 25 min 28 s
